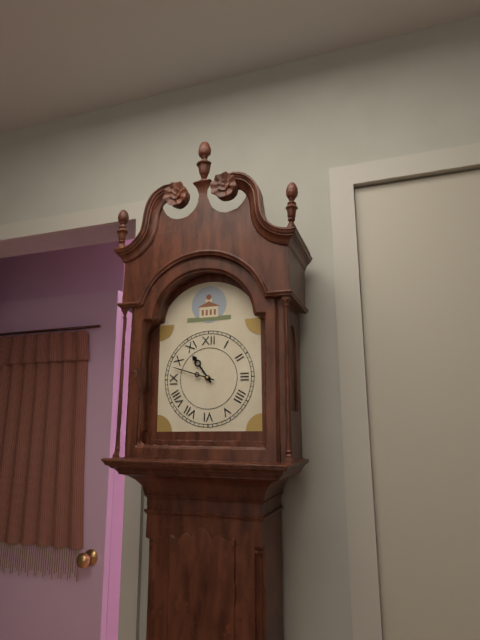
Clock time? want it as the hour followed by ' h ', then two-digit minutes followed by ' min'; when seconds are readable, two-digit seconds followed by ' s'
10 h 48 min
